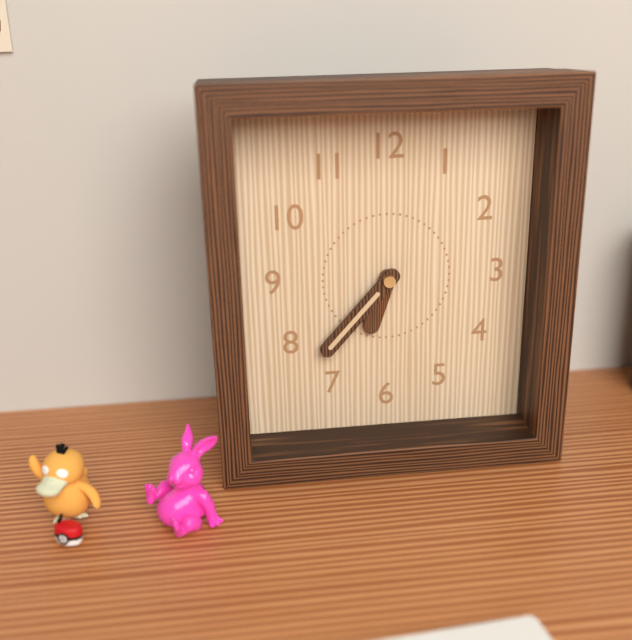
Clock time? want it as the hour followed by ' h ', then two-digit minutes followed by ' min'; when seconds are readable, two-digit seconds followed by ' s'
6 h 37 min
